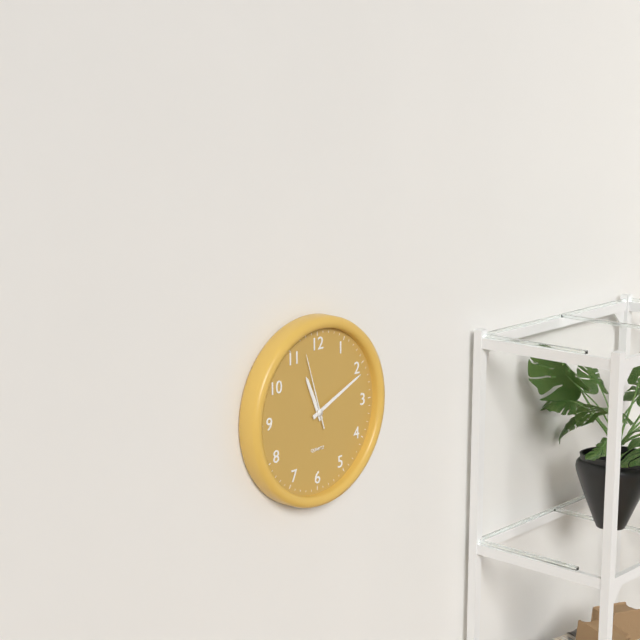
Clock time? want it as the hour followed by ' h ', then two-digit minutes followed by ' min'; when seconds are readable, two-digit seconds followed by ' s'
11 h 11 min 57 s
